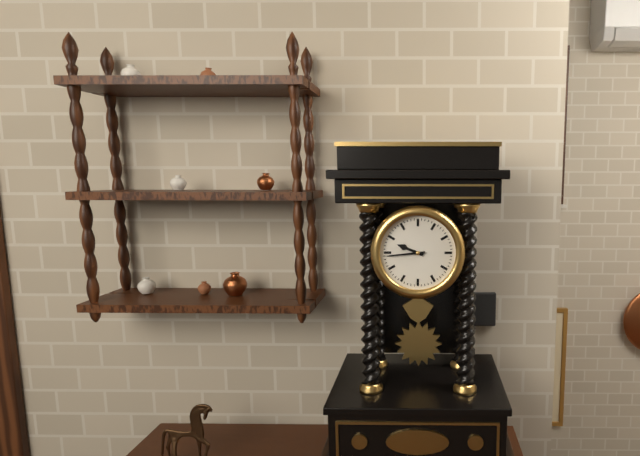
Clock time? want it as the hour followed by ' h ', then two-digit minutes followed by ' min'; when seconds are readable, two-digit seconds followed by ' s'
9 h 44 min
